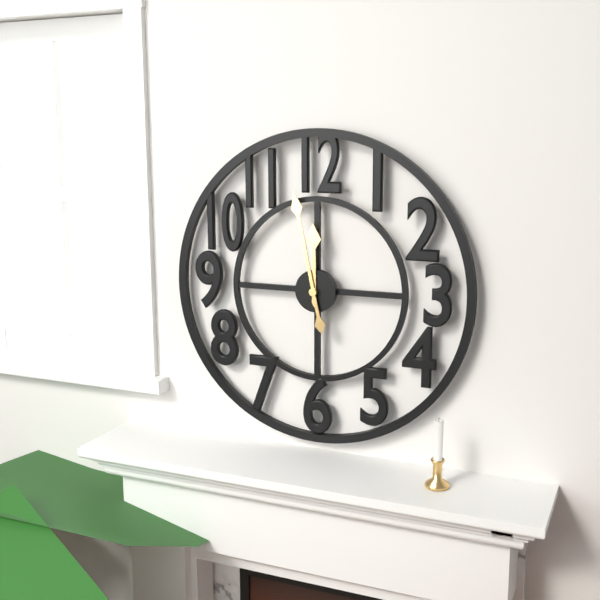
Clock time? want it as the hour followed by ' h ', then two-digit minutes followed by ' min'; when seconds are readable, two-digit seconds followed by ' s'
11 h 58 min
